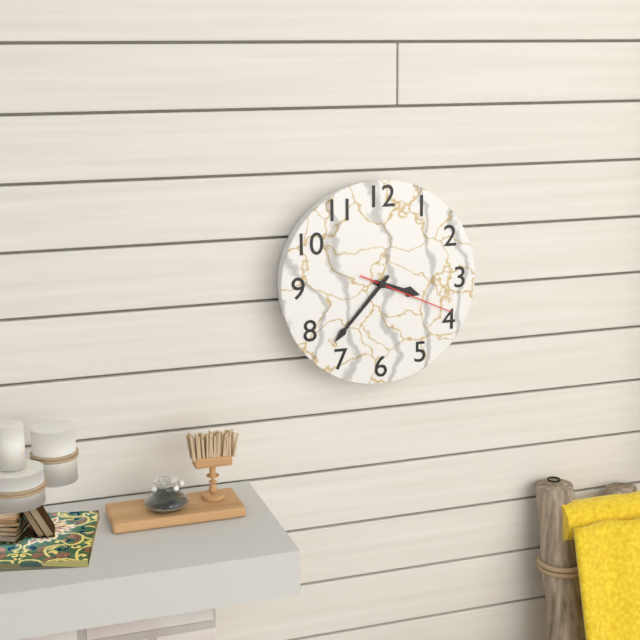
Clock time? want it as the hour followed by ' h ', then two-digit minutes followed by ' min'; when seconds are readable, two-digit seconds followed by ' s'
3 h 37 min 19 s
